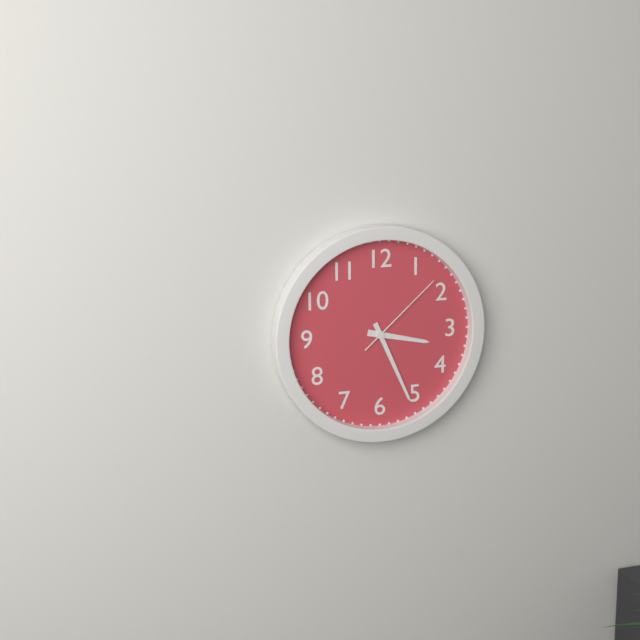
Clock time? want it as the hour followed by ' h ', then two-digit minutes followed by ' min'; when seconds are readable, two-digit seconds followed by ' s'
3 h 26 min 08 s
